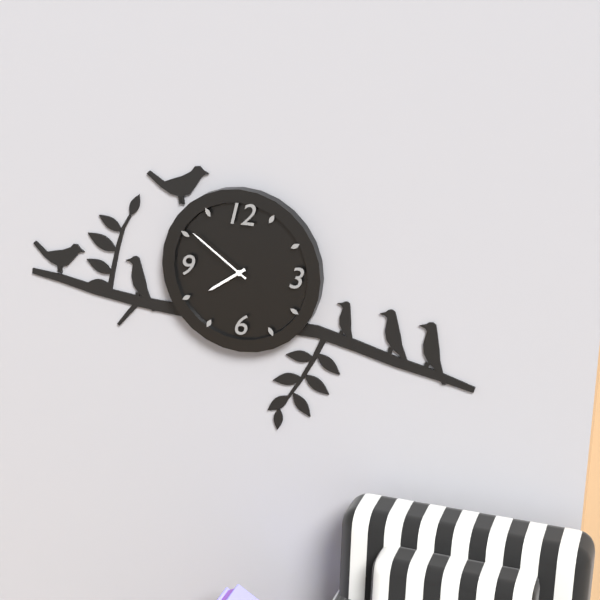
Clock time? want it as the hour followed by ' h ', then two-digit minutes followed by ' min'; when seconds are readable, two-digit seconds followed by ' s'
7 h 51 min
